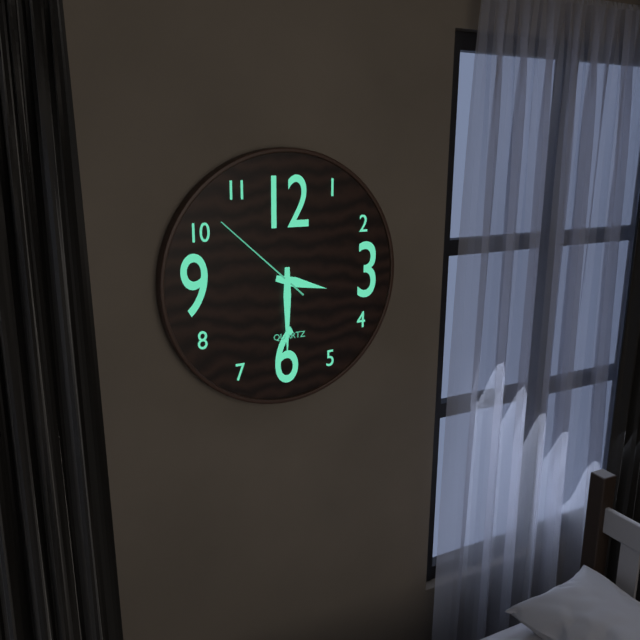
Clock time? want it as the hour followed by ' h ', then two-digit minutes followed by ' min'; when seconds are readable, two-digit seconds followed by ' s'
3 h 30 min 52 s
